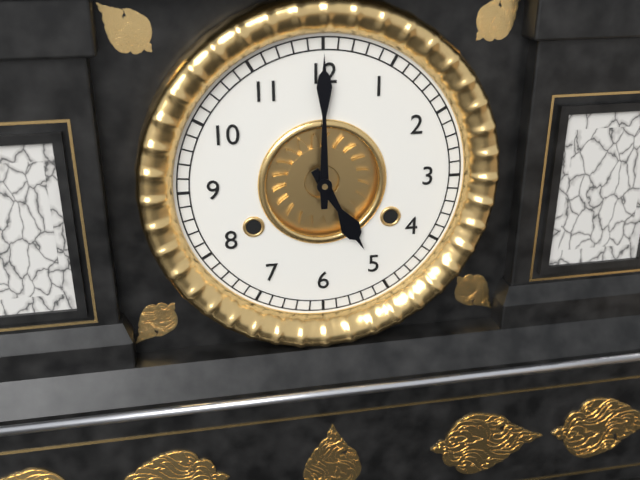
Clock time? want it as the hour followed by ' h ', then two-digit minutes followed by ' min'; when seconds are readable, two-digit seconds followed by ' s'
5 h 00 min
